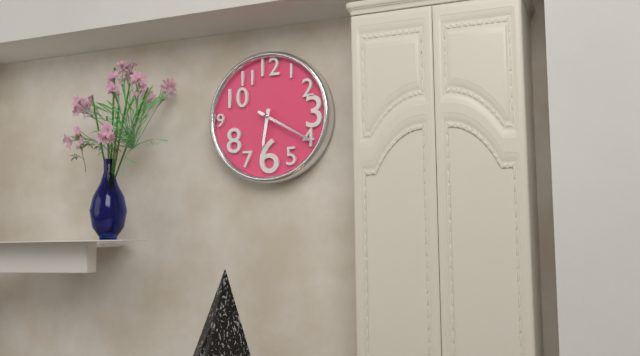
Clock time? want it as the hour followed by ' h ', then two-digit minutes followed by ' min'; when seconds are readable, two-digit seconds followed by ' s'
6 h 20 min
